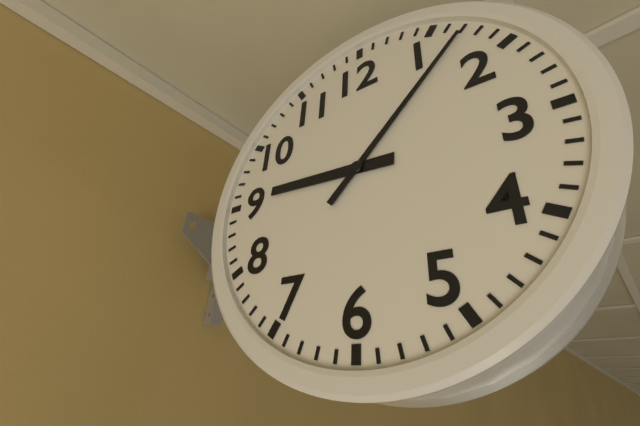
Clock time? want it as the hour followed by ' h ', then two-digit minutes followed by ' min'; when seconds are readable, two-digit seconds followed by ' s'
9 h 07 min
